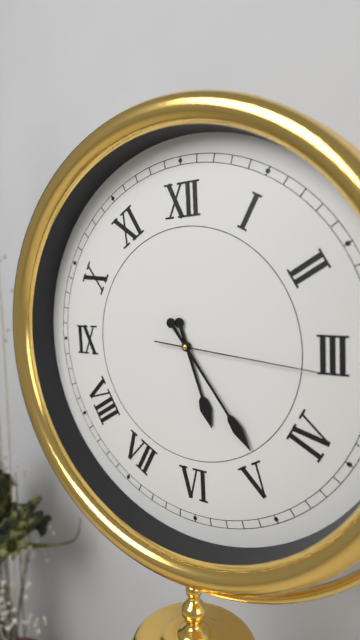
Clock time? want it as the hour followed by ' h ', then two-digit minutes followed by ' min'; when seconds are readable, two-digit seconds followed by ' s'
5 h 24 min 16 s
